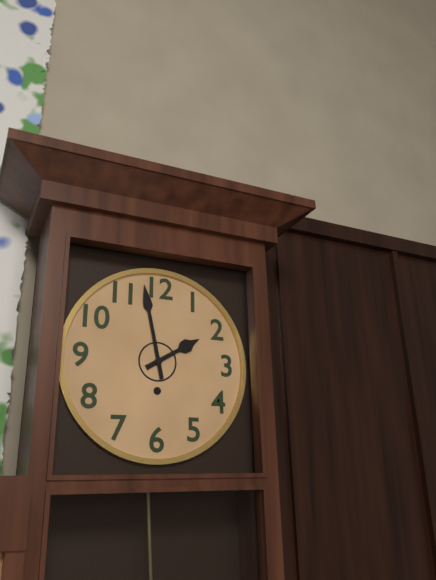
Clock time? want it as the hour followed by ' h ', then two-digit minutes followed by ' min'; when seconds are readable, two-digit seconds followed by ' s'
1 h 58 min
